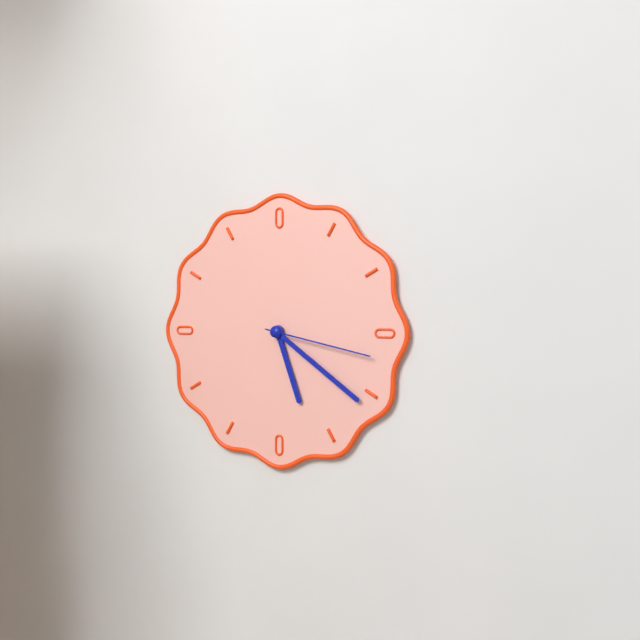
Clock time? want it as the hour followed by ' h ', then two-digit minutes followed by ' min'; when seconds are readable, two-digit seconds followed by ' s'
5 h 21 min 17 s
